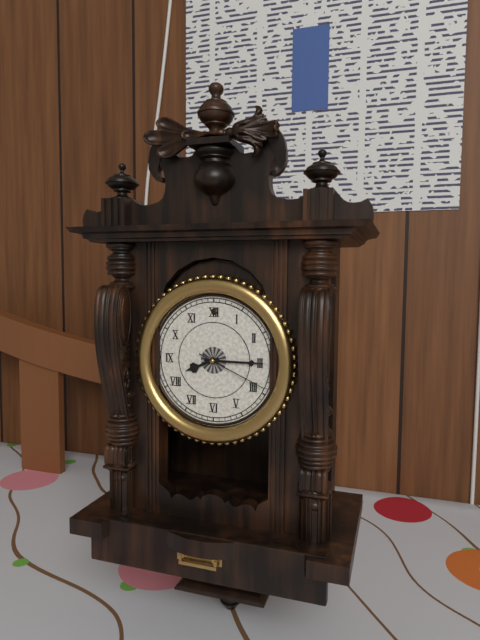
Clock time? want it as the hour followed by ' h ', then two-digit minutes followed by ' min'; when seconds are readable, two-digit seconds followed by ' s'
8 h 15 min 19 s
